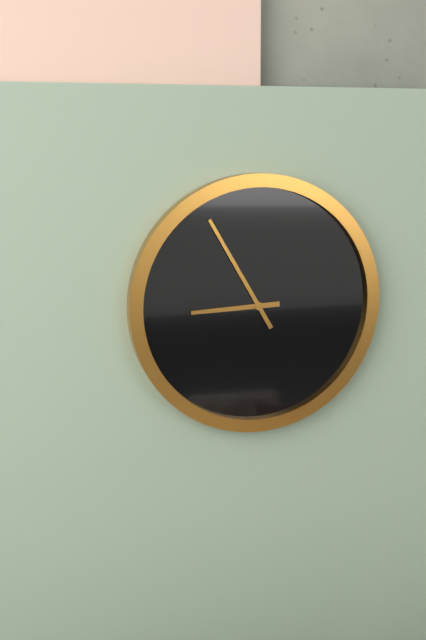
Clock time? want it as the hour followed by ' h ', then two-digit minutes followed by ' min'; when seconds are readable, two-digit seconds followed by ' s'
8 h 55 min
